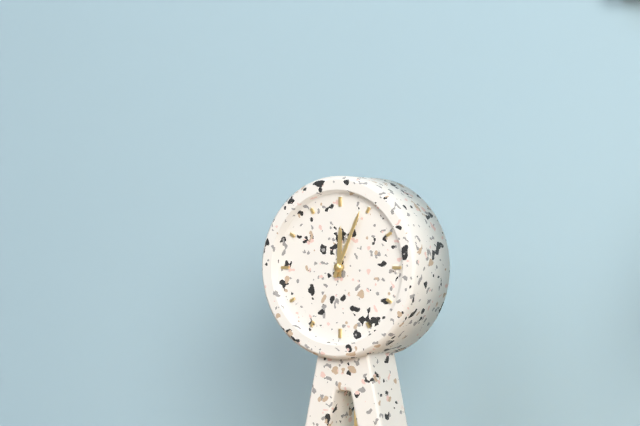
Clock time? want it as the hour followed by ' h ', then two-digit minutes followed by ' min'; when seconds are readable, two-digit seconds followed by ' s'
12 h 04 min
